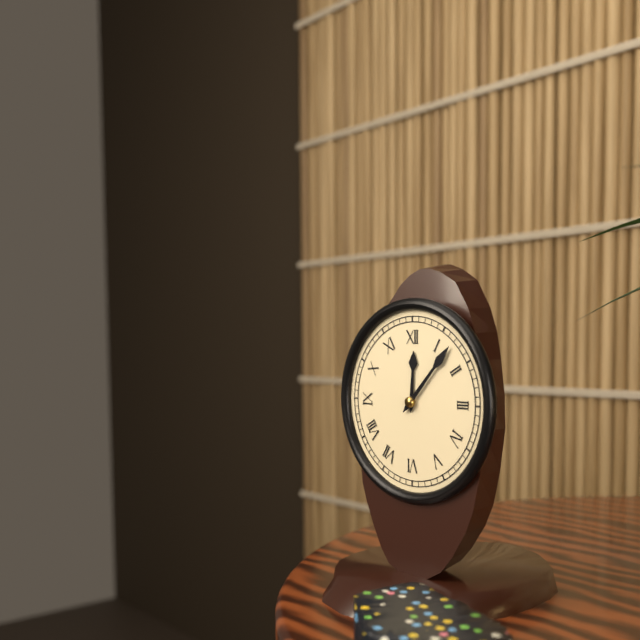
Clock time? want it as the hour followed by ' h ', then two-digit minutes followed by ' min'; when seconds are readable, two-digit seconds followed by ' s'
12 h 07 min
